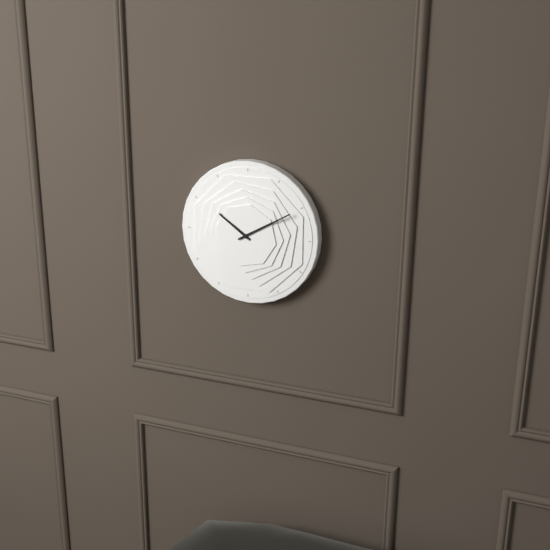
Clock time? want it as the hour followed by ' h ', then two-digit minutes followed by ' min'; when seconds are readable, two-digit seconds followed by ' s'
10 h 10 min
